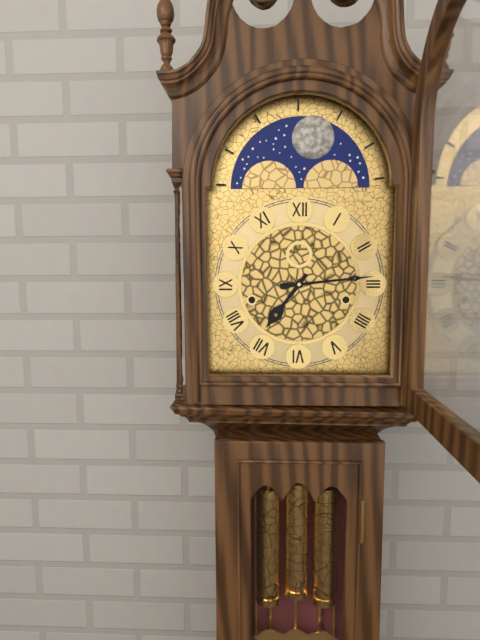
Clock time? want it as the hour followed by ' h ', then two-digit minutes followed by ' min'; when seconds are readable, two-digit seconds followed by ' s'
7 h 14 min
